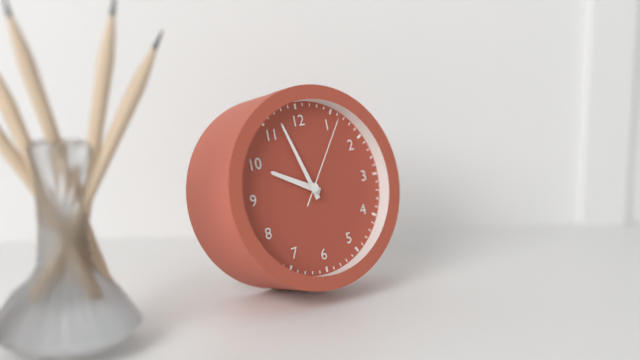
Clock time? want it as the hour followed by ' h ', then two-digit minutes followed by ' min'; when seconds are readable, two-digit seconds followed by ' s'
9 h 57 min 06 s
